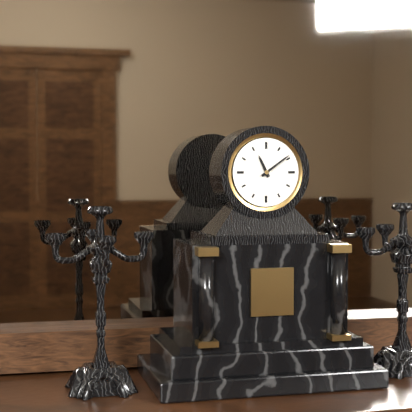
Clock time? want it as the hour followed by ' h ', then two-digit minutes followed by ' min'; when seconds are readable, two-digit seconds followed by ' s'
11 h 09 min
